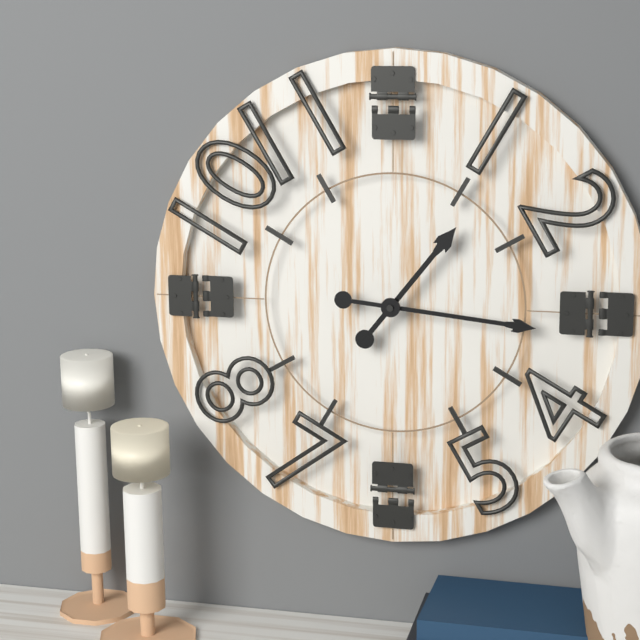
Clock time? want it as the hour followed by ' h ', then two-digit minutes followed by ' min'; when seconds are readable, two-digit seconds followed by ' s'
1 h 16 min
